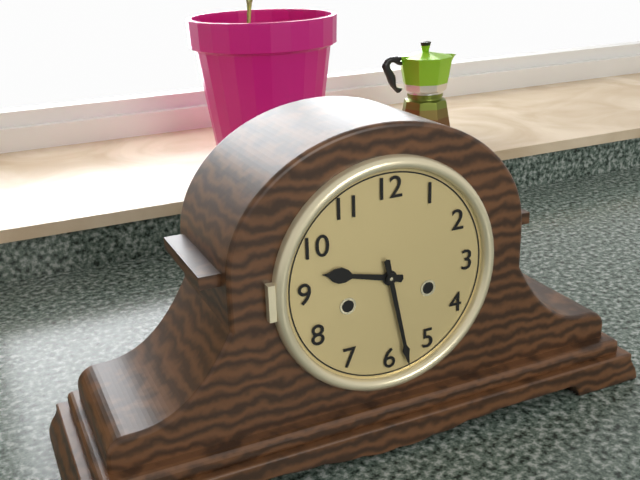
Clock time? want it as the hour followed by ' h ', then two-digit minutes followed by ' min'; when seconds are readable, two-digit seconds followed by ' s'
9 h 28 min
